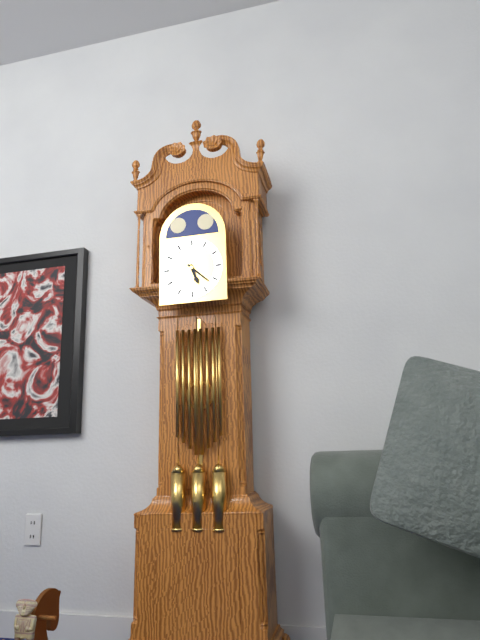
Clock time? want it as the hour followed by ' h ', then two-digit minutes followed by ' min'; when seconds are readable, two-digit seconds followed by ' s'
5 h 22 min
